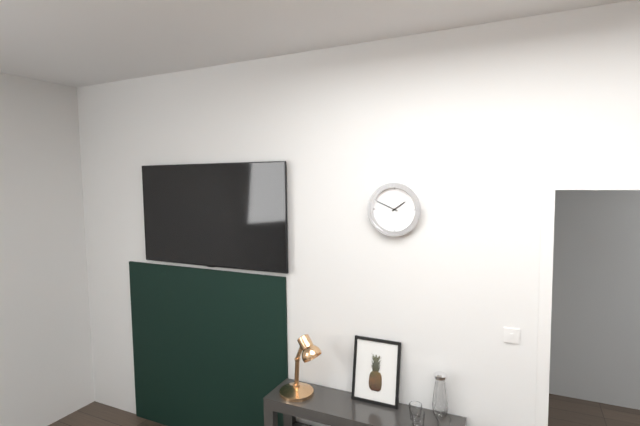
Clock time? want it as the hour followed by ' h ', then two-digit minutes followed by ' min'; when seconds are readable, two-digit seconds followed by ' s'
1 h 49 min
